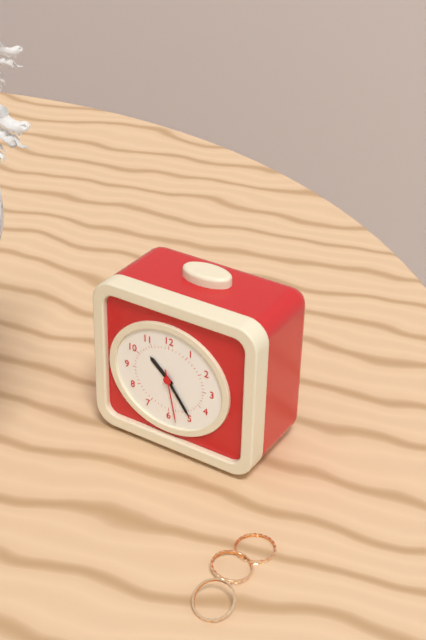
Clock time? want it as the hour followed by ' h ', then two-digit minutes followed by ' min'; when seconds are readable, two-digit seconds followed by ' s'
10 h 24 min 28 s
